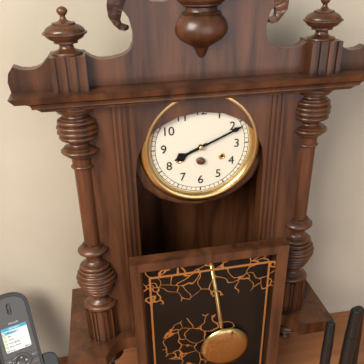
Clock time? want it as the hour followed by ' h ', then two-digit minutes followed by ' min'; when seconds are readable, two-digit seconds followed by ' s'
8 h 11 min
